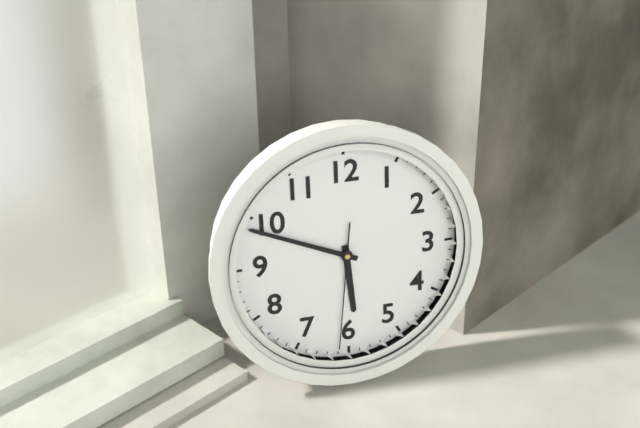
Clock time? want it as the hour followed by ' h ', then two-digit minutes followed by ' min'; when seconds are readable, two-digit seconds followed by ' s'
5 h 49 min 31 s
